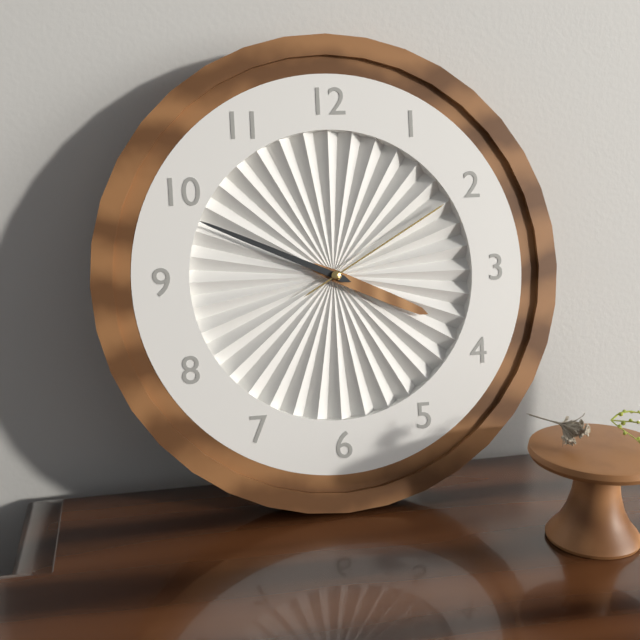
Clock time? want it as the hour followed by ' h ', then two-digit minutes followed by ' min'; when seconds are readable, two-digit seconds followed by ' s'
3 h 49 min 10 s
